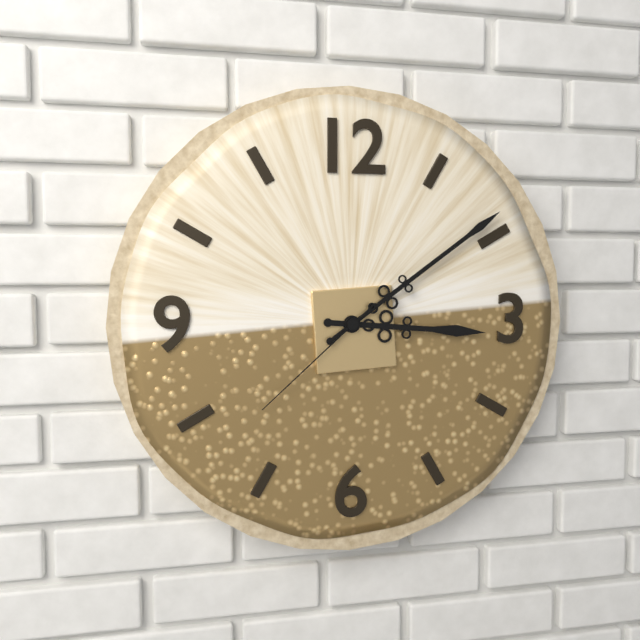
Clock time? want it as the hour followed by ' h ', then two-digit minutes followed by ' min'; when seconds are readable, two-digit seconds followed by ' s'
3 h 09 min 38 s
